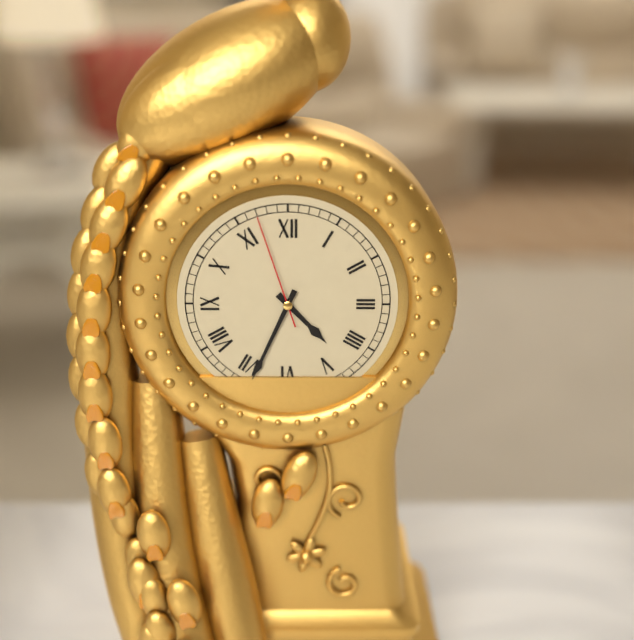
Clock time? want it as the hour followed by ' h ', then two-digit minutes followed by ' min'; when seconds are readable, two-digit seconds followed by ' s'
4 h 34 min 57 s
